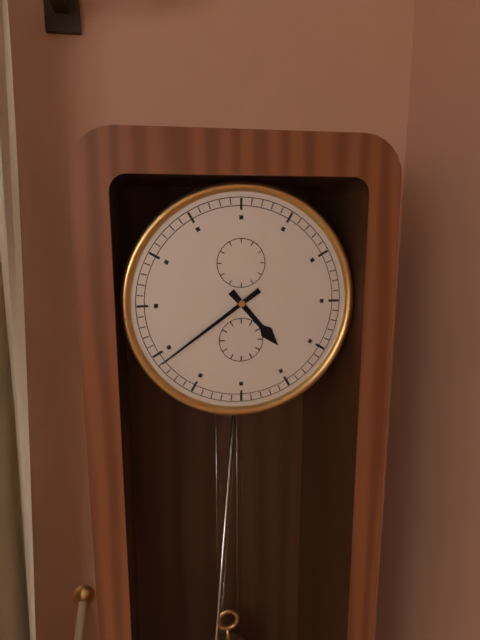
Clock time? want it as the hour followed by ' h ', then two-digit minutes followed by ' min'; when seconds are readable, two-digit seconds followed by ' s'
4 h 39 min
